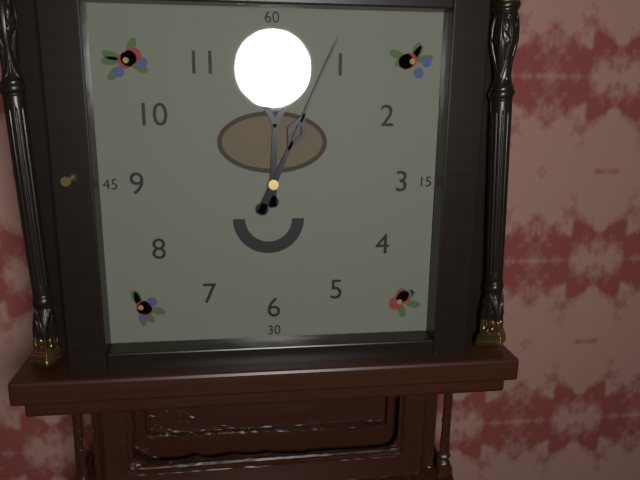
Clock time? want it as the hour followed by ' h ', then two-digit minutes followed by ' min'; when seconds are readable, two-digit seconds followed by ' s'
12 h 04 min
